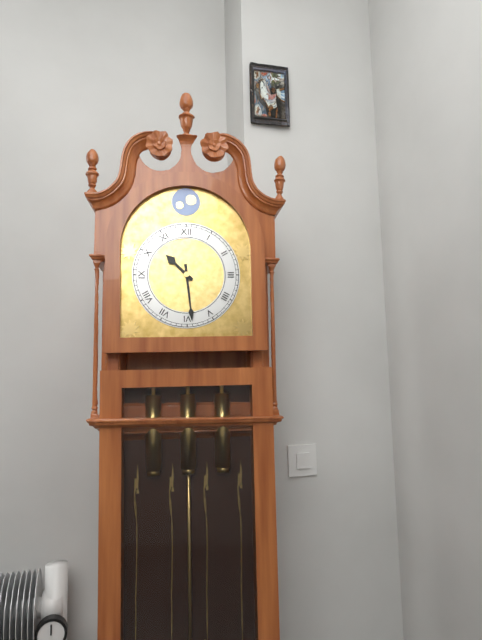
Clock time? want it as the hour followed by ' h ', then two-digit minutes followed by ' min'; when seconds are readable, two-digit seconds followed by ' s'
10 h 29 min
